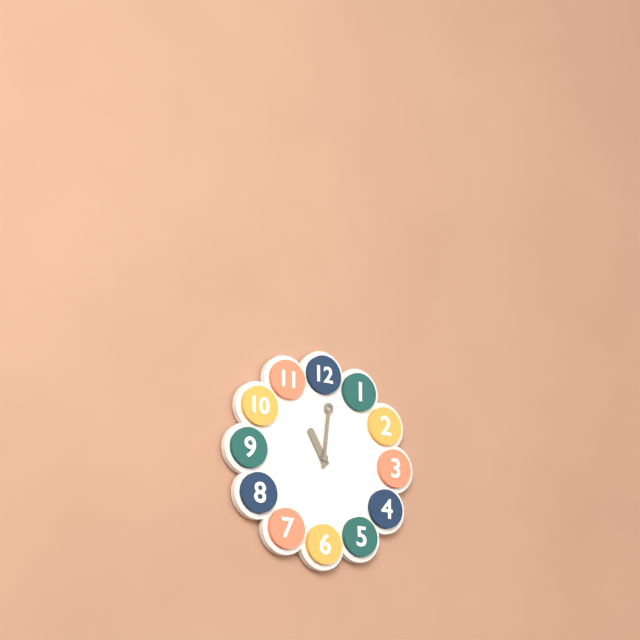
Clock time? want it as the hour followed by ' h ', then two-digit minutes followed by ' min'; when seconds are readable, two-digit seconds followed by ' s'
11 h 01 min
